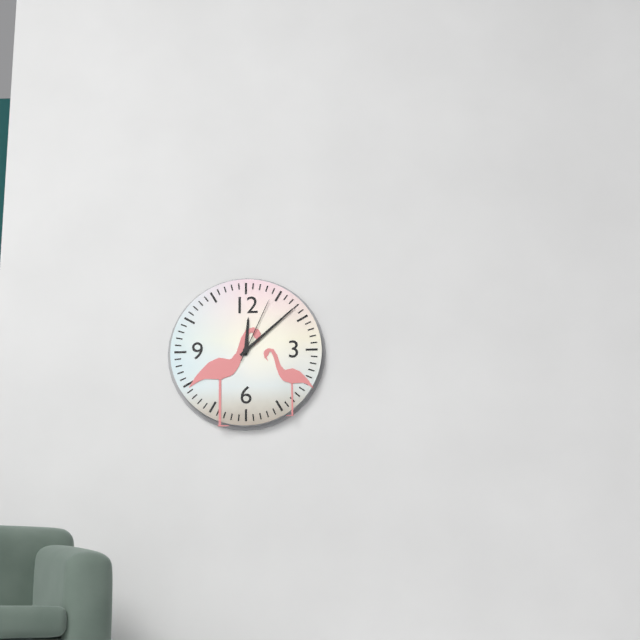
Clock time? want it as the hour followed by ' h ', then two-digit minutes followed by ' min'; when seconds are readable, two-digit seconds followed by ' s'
12 h 08 min 04 s
